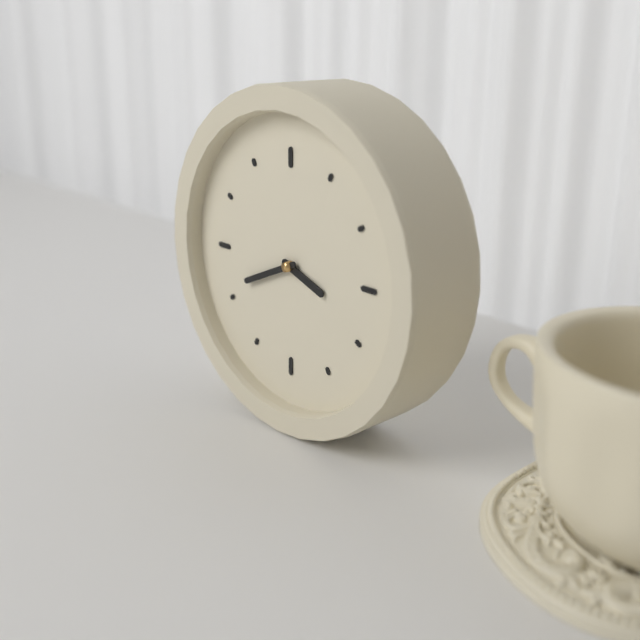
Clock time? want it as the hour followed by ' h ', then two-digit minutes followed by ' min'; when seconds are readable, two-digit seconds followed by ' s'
3 h 41 min
